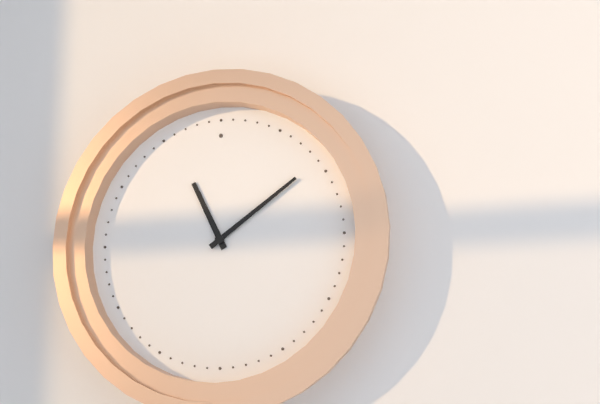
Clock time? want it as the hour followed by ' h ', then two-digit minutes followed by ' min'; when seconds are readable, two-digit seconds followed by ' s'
11 h 09 min
